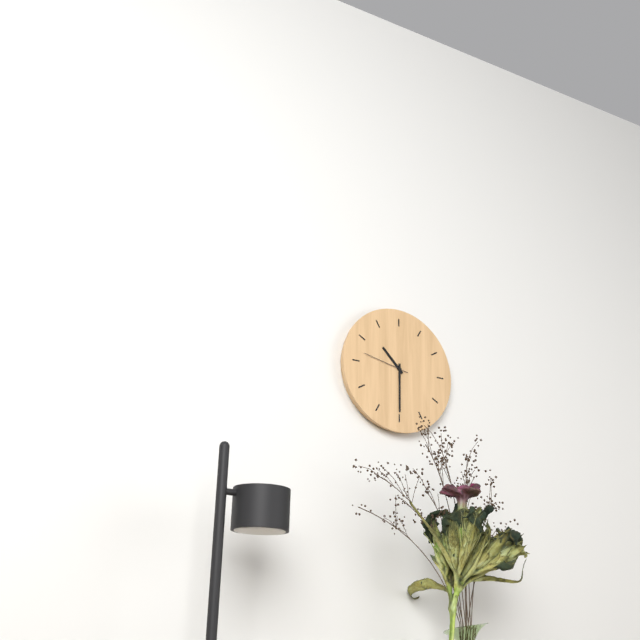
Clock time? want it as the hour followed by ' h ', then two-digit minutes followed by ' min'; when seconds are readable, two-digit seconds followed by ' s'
10 h 30 min
